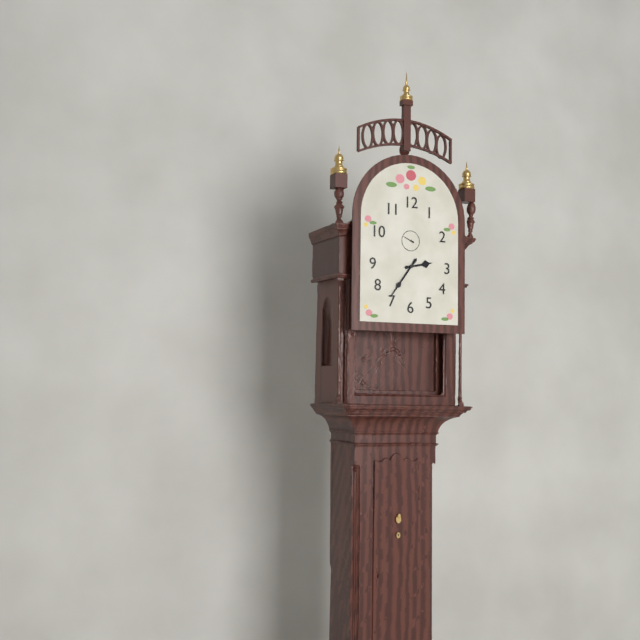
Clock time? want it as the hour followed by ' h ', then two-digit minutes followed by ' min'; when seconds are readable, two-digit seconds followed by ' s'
2 h 36 min
